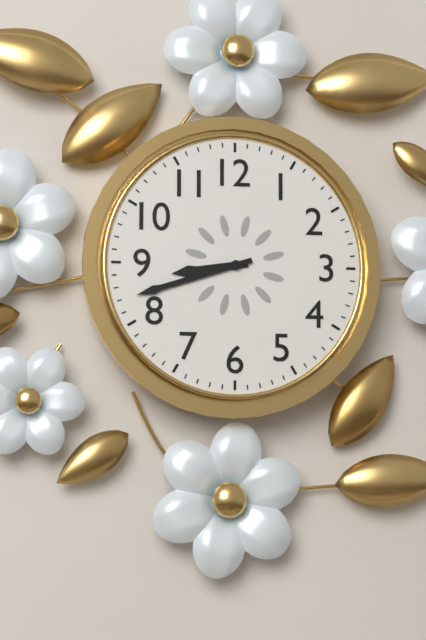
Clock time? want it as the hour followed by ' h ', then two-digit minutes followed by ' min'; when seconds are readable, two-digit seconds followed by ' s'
8 h 42 min
